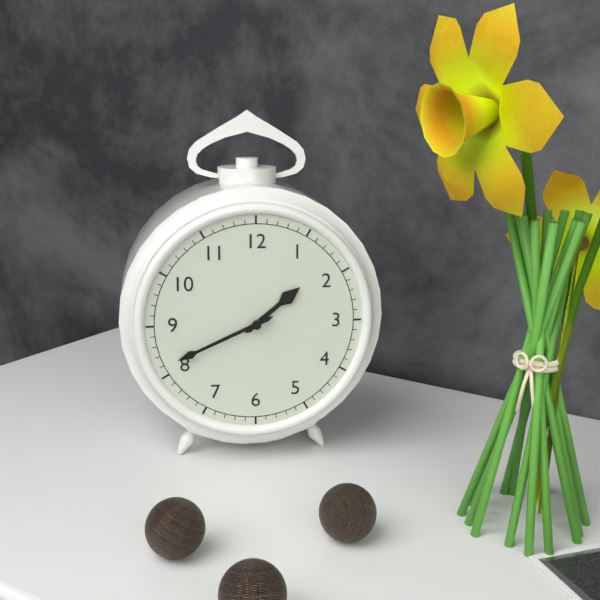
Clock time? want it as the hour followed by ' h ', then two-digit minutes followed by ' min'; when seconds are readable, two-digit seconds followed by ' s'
1 h 41 min
